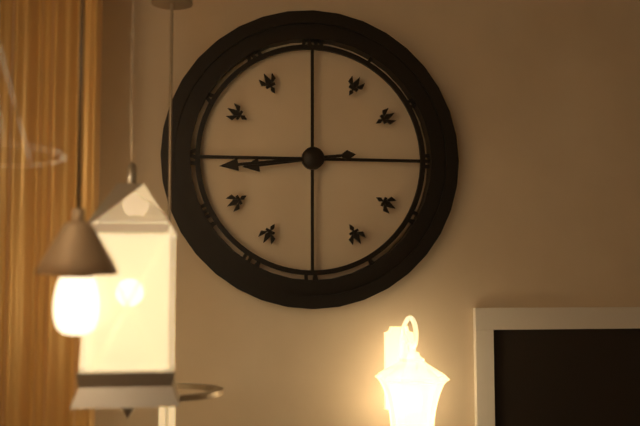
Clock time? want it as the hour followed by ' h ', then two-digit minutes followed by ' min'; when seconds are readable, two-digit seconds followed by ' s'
8 h 44 min
